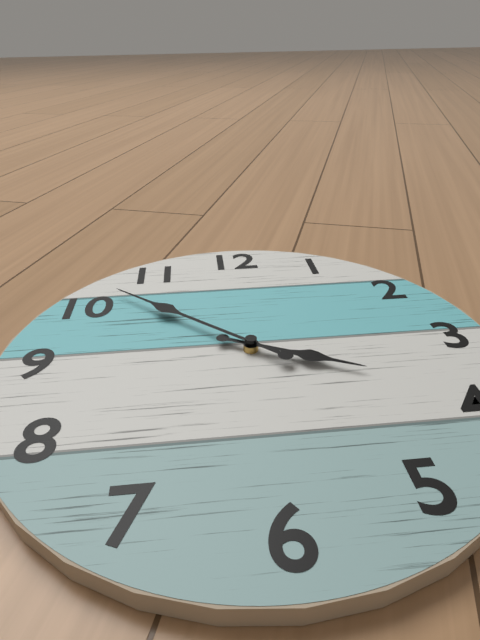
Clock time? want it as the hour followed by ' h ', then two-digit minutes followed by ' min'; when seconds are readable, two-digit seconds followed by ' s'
3 h 52 min
